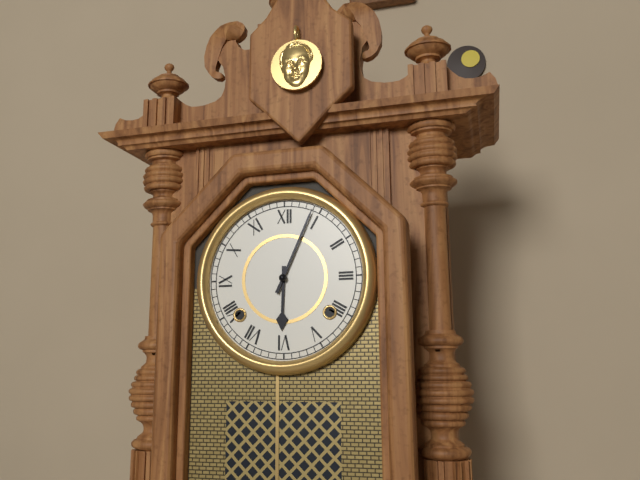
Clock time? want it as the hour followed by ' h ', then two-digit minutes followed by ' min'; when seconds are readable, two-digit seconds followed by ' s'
6 h 04 min
